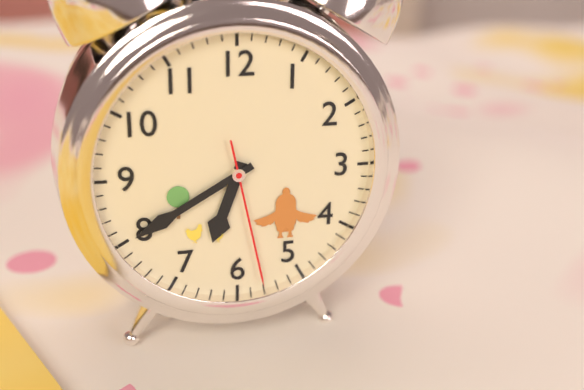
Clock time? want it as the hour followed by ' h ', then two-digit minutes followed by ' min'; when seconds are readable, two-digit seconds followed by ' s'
6 h 40 min 28 s
